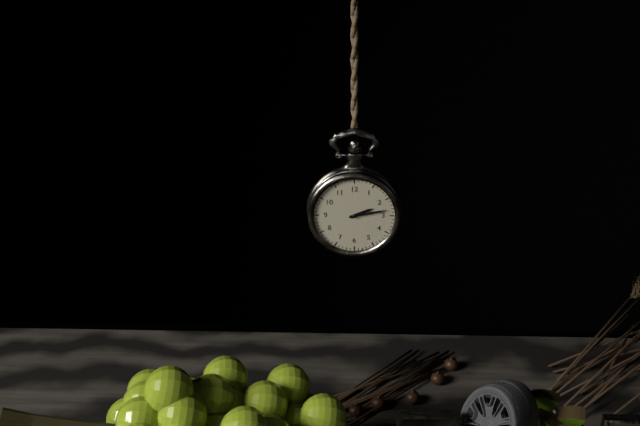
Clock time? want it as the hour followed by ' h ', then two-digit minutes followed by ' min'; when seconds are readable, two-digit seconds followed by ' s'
2 h 13 min
